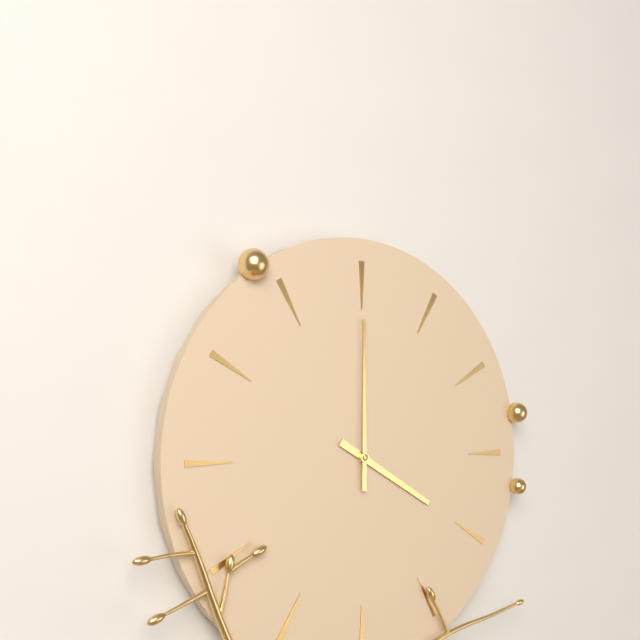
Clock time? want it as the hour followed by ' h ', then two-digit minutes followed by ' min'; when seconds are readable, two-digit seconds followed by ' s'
4 h 00 min
